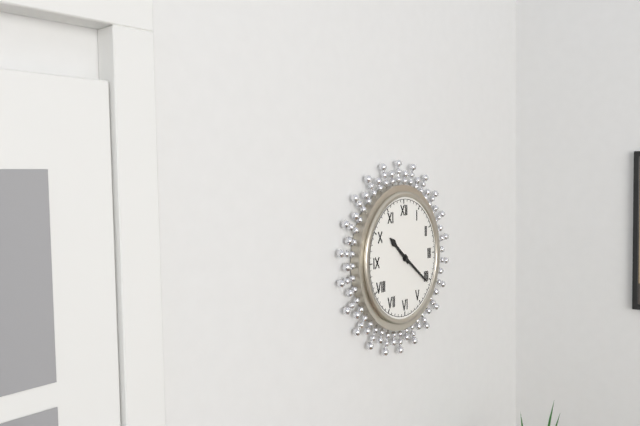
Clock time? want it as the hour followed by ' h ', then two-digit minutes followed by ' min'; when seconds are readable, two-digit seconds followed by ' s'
10 h 21 min
